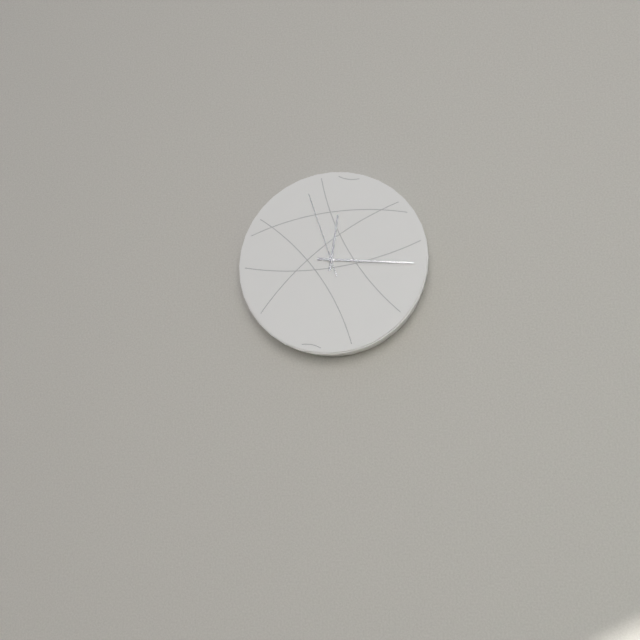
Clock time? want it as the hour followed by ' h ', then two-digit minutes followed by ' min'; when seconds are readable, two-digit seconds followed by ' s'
12 h 16 min 57 s
